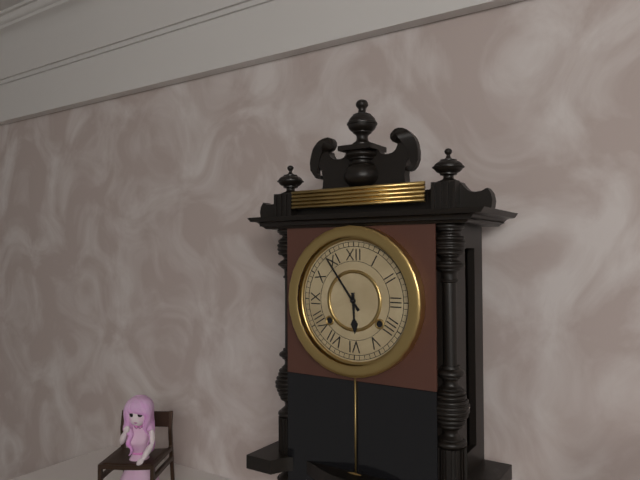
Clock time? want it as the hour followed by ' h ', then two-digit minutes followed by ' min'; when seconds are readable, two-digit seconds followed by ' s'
5 h 54 min
